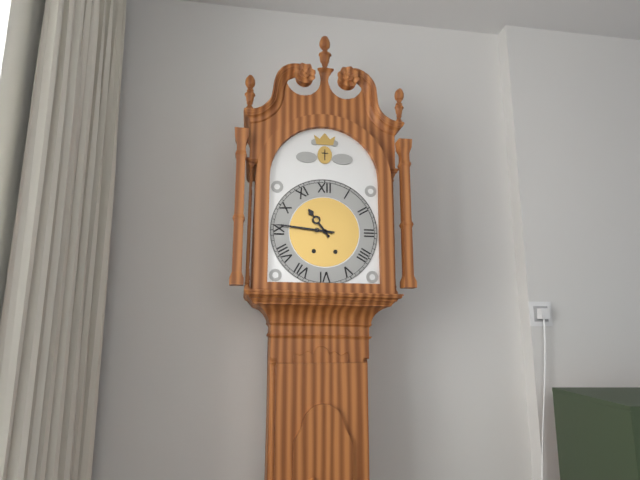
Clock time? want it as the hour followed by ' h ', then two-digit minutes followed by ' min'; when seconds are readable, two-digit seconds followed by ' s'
10 h 46 min
